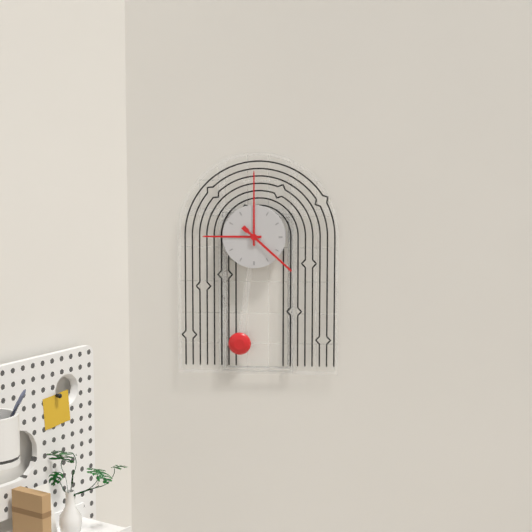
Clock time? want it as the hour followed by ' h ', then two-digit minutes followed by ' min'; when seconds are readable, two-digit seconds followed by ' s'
9 h 00 min 22 s
